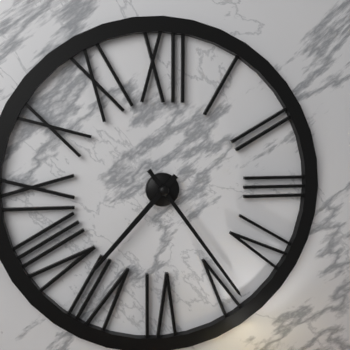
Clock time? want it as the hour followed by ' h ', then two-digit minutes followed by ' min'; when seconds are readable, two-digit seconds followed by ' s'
7 h 24 min
